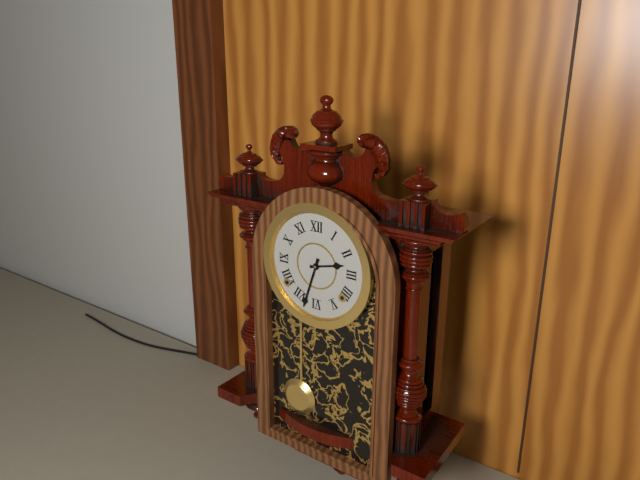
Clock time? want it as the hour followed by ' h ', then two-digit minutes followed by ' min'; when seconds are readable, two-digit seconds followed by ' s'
2 h 33 min
